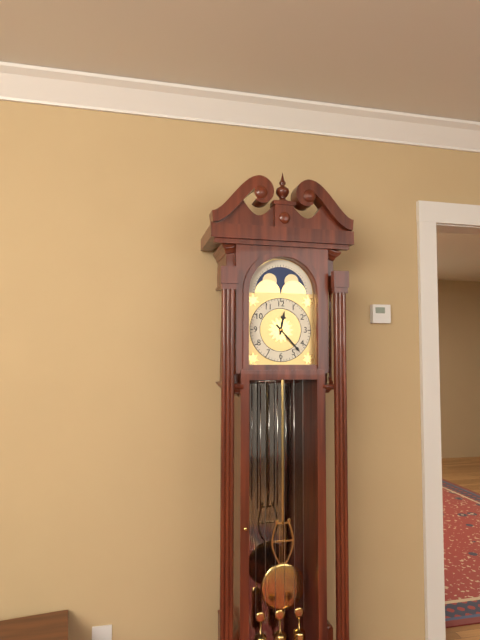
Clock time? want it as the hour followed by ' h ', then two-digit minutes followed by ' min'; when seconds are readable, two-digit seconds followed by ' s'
12 h 23 min
